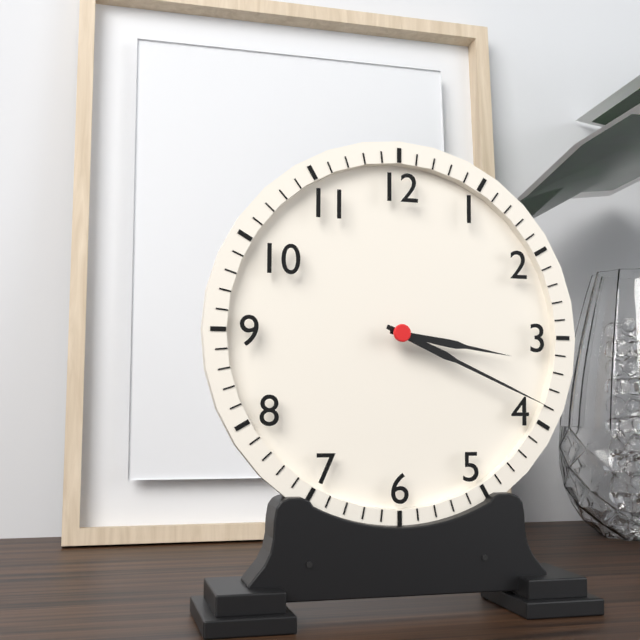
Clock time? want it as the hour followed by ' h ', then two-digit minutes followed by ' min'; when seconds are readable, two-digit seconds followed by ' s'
3 h 19 min
